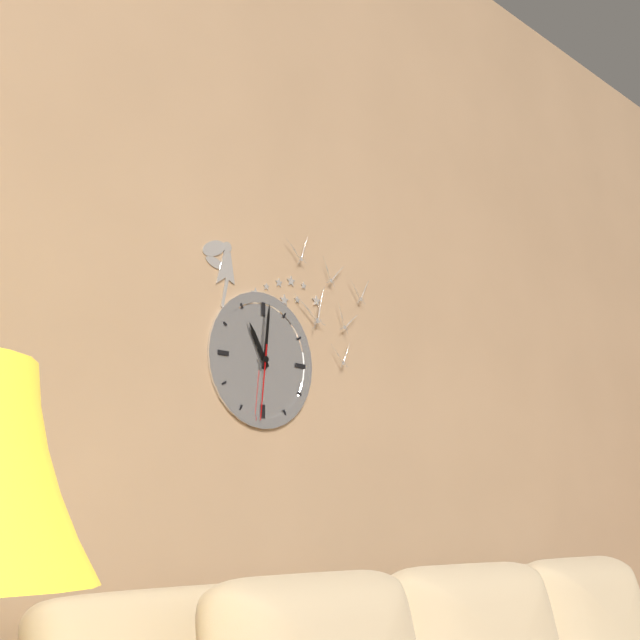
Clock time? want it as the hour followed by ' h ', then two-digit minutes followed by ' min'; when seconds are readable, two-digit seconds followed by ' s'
11 h 01 min 31 s
